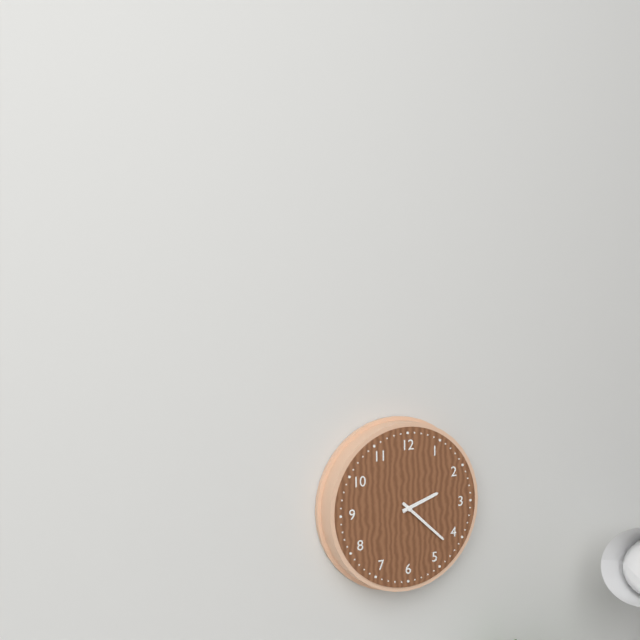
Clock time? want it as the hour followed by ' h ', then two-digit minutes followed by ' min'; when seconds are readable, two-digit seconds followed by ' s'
2 h 22 min
